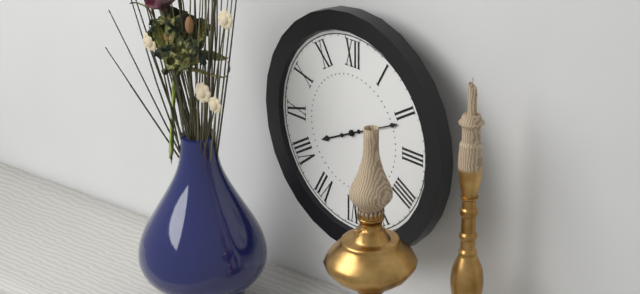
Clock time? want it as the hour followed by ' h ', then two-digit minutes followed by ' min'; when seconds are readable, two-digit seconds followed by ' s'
8 h 11 min
